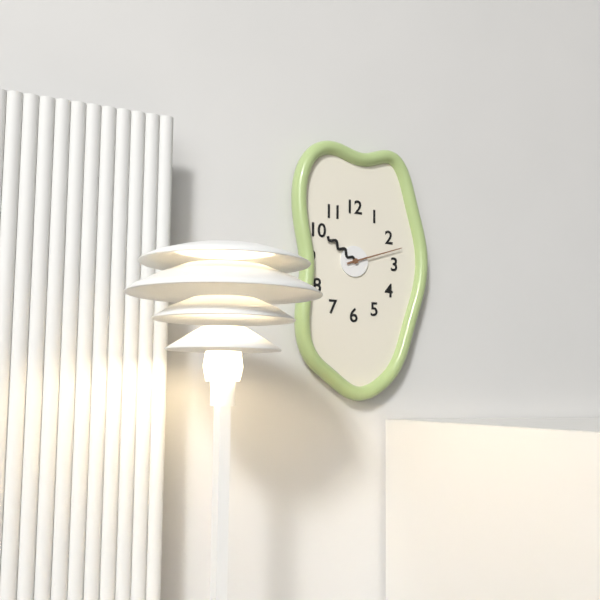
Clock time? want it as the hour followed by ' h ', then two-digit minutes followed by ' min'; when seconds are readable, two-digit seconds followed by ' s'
10 h 12 min
